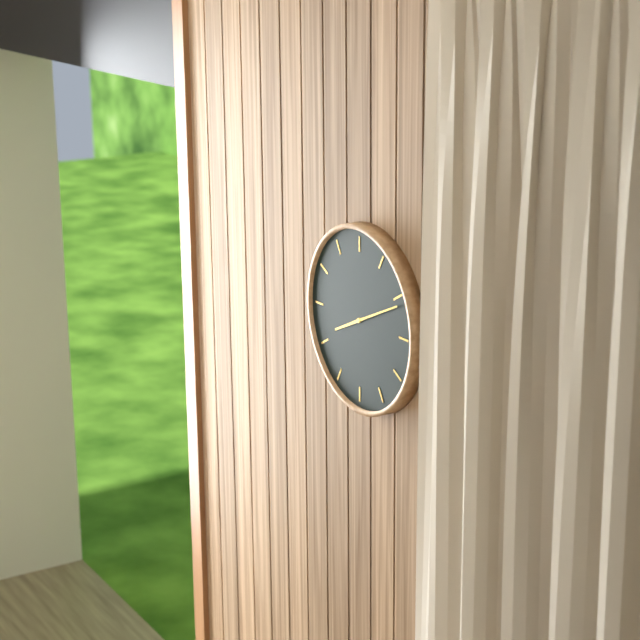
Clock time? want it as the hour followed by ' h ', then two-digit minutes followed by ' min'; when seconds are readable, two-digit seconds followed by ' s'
8 h 11 min
